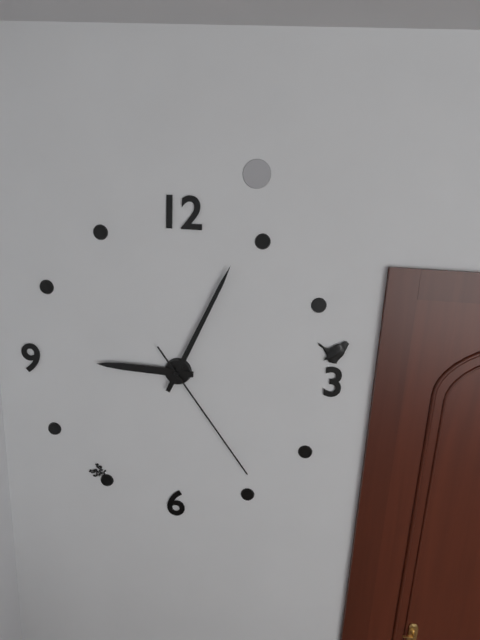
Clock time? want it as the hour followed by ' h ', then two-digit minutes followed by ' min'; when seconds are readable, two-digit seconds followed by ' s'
9 h 04 min 24 s
